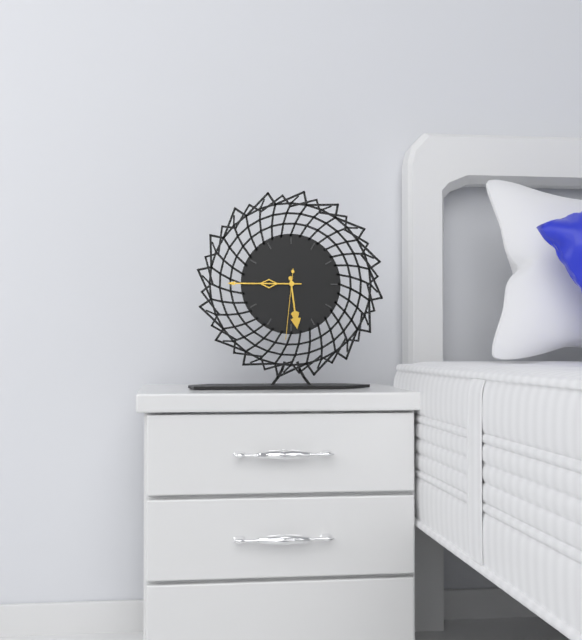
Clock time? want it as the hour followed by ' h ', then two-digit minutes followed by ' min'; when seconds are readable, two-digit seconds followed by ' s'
5 h 45 min 31 s
